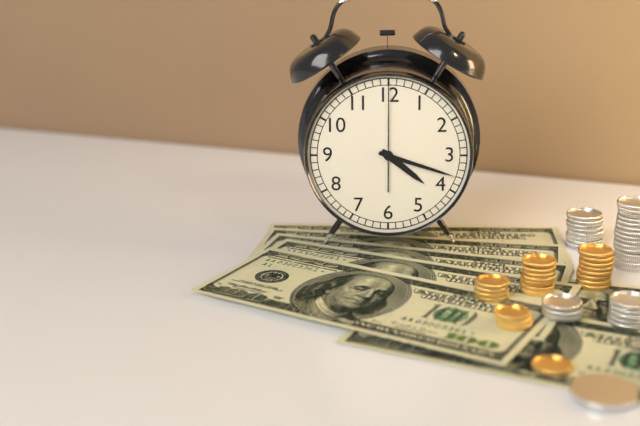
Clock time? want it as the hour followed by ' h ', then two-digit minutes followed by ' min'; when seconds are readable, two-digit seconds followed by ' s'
4 h 18 min 00 s
